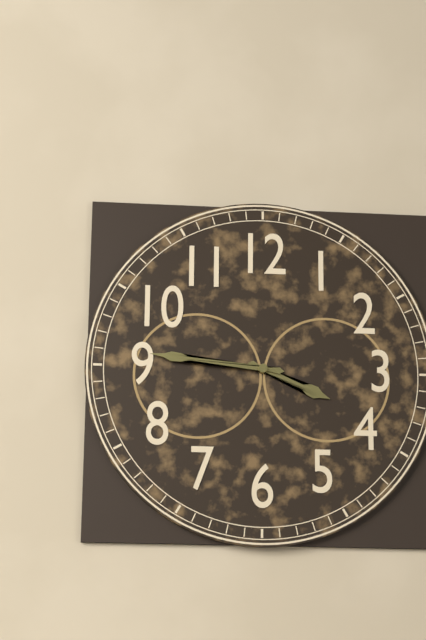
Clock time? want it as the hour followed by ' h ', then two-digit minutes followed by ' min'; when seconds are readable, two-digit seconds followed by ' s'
3 h 46 min
